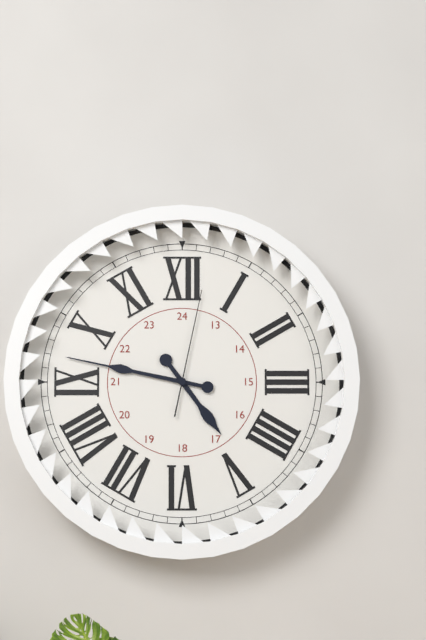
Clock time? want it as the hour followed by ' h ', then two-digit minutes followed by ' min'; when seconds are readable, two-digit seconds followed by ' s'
4 h 47 min 02 s
